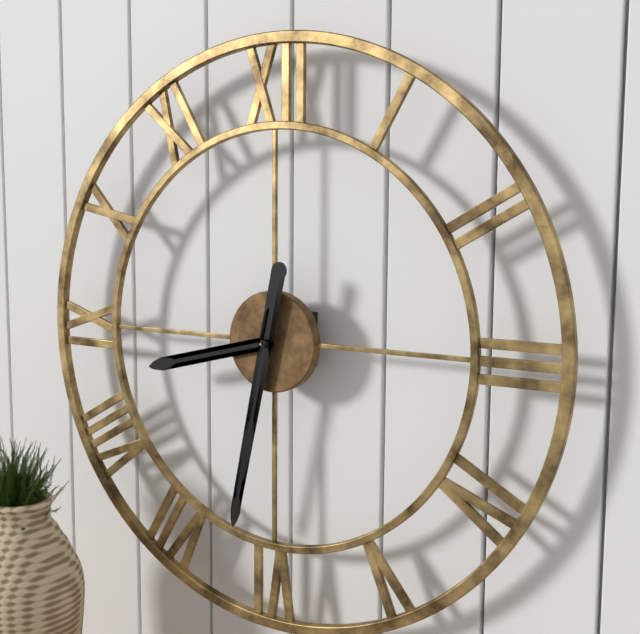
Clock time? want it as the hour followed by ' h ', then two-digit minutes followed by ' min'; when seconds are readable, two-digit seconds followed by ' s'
8 h 32 min
